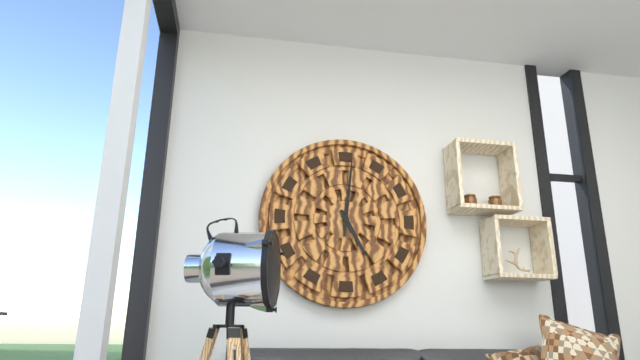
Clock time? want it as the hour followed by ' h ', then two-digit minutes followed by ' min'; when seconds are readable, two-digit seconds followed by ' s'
5 h 01 min
